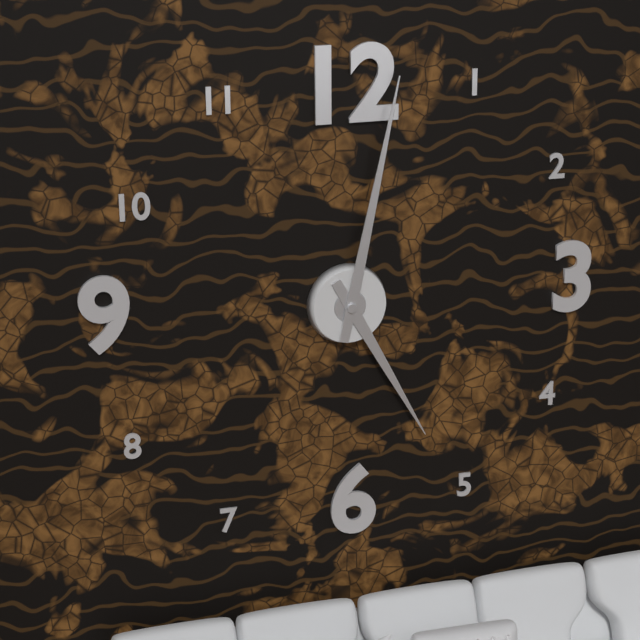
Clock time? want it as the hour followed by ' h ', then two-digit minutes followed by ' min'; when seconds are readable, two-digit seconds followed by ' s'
5 h 02 min
